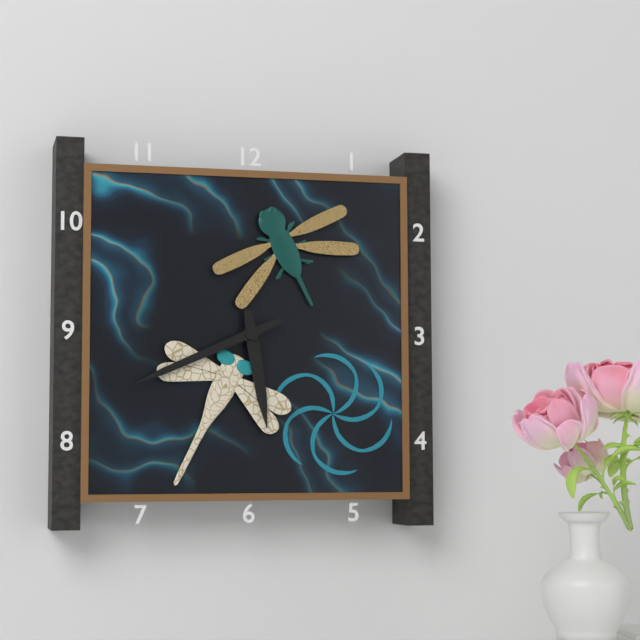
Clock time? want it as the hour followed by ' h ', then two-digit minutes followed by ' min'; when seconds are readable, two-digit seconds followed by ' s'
5 h 41 min
